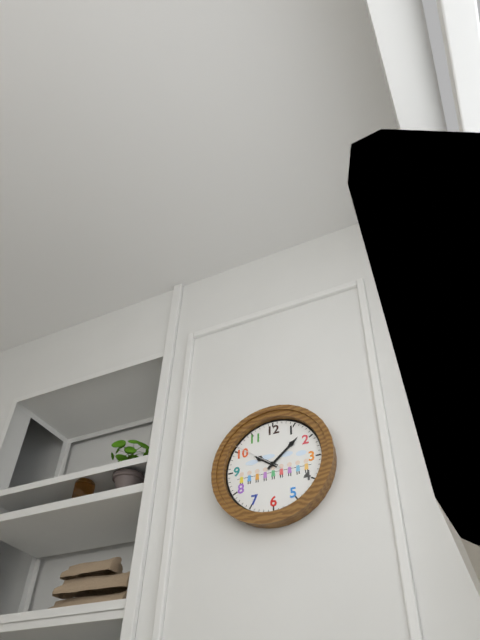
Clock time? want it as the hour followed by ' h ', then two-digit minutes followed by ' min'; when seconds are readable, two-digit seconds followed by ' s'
10 h 08 min 51 s
